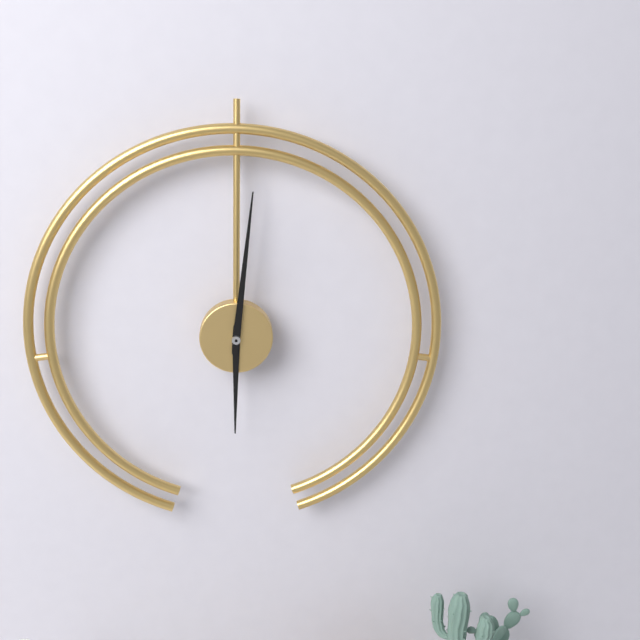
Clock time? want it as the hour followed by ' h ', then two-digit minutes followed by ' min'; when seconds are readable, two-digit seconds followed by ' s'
6 h 01 min
